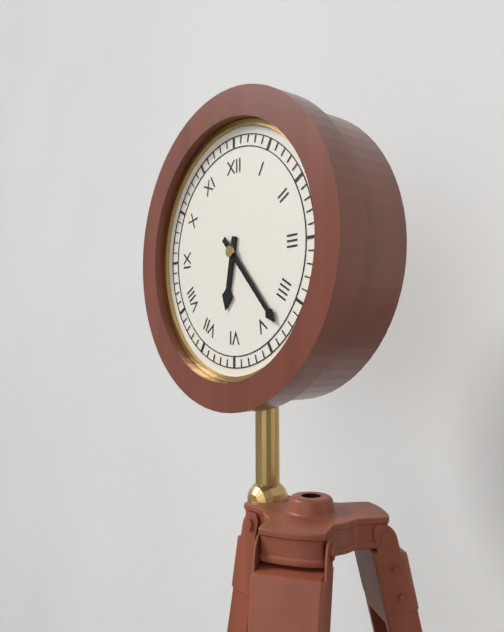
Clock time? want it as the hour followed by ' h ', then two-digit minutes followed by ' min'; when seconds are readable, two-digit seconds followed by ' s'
6 h 23 min
